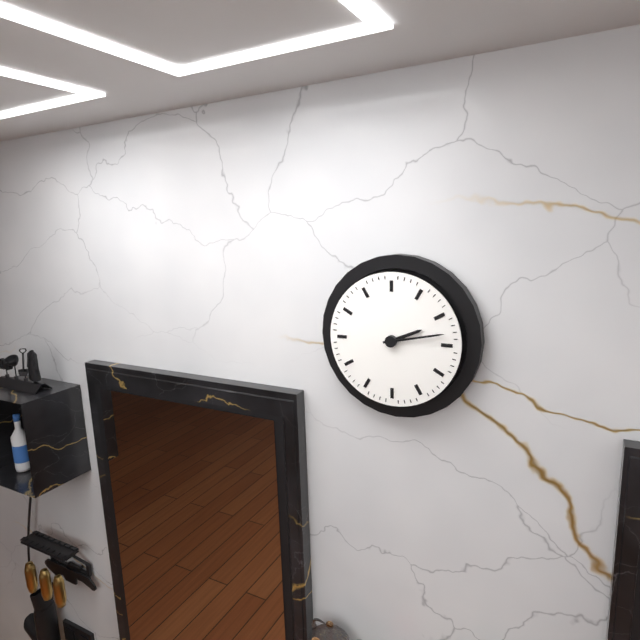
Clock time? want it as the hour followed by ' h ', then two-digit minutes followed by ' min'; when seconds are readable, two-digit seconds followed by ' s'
2 h 13 min
